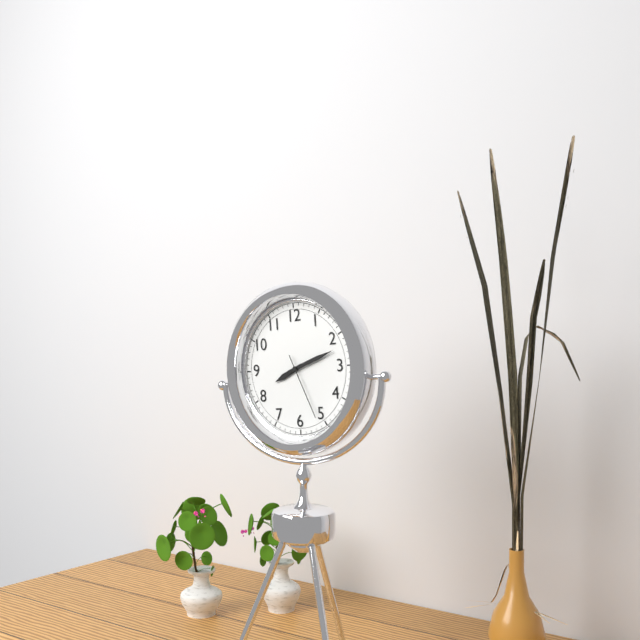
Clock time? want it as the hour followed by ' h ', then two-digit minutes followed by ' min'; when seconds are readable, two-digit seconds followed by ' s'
8 h 12 min 26 s
